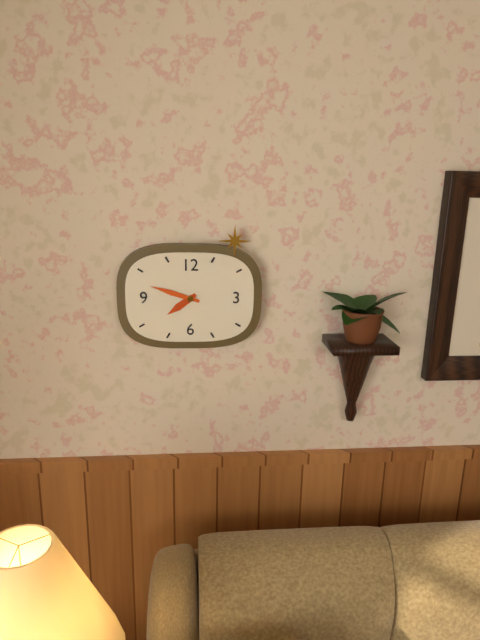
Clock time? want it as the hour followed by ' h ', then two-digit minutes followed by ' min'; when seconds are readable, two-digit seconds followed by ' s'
7 h 48 min
